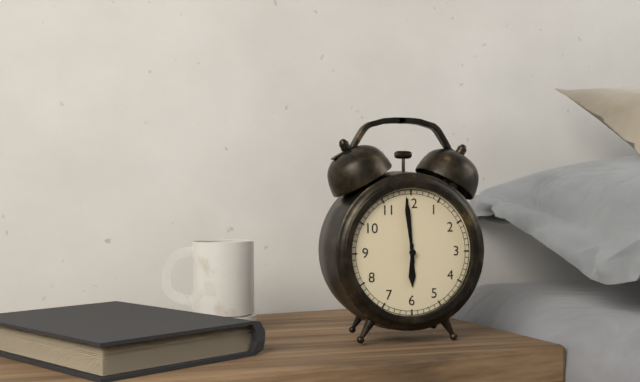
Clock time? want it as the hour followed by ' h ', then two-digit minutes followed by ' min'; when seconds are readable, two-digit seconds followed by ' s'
5 h 59 min
